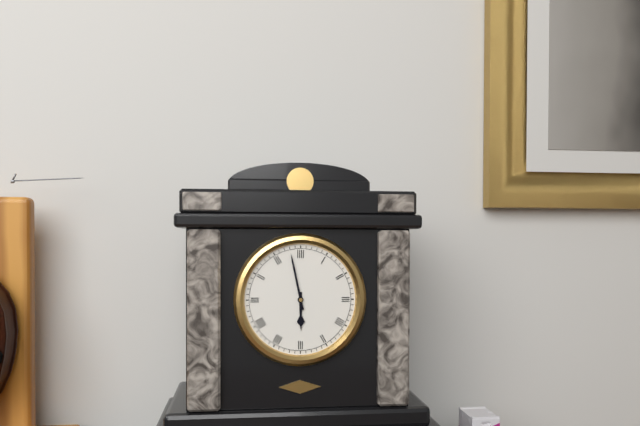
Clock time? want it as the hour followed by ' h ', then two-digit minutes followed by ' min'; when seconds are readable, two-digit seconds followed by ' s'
5 h 58 min
